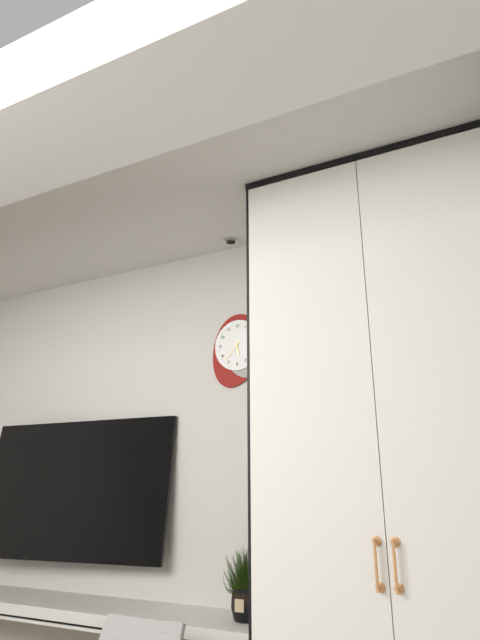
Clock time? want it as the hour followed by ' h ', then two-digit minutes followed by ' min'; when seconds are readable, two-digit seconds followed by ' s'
5 h 37 min
